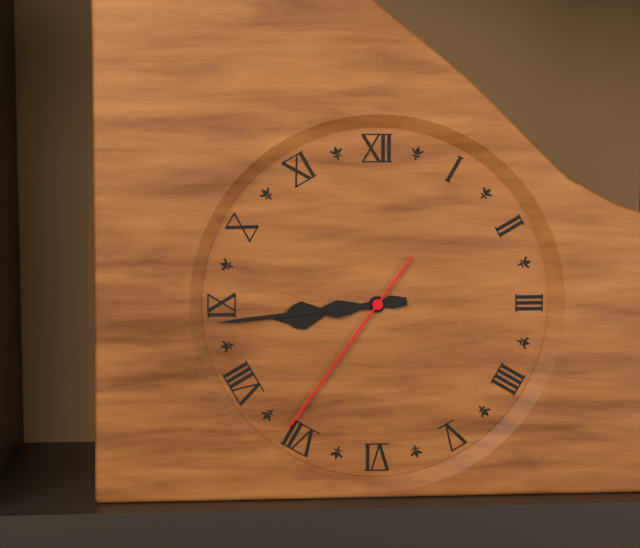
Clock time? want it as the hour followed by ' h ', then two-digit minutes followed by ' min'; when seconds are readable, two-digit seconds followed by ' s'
8 h 44 min 36 s
